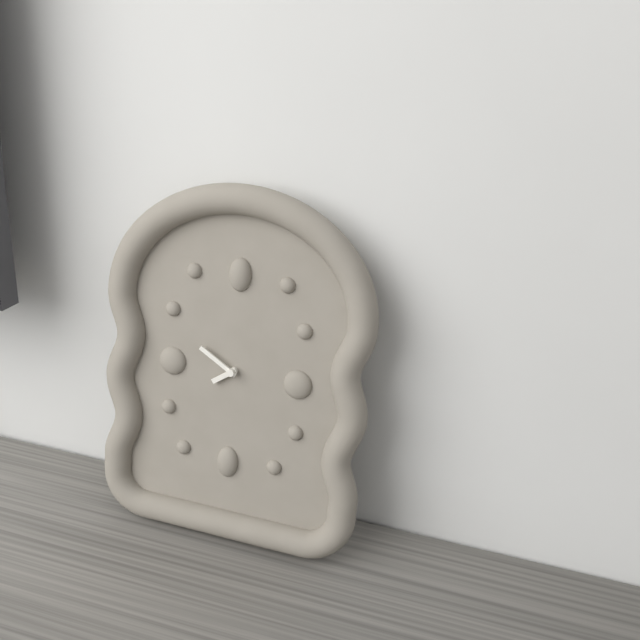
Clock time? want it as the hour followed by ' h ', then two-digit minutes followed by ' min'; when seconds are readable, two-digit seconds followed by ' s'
7 h 50 min
